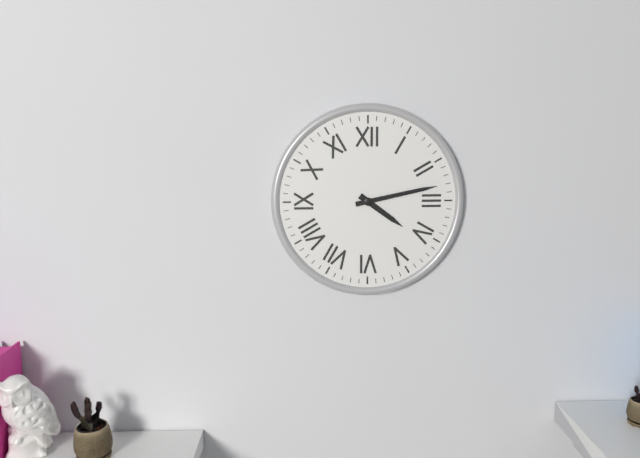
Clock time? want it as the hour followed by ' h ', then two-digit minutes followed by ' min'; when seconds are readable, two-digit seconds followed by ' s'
4 h 13 min
